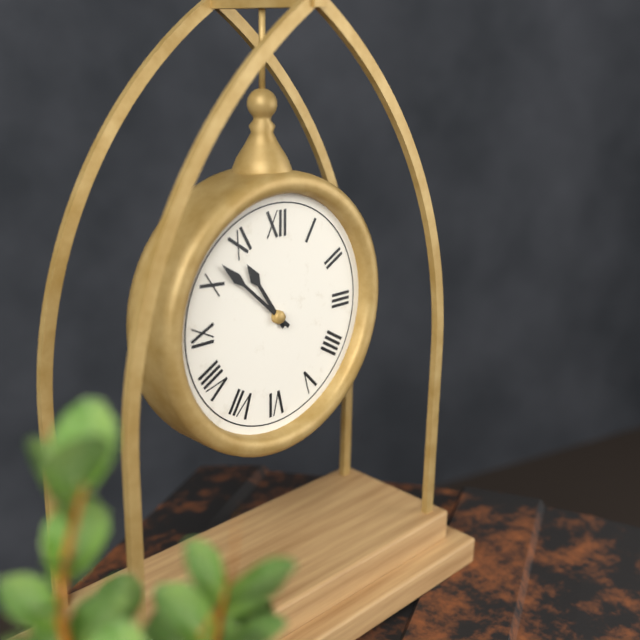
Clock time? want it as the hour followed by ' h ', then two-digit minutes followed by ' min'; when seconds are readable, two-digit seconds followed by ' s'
10 h 52 min
